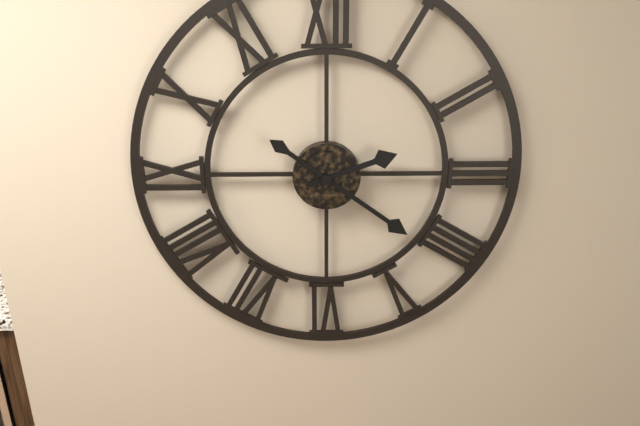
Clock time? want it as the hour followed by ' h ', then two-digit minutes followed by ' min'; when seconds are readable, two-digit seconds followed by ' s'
2 h 21 min
